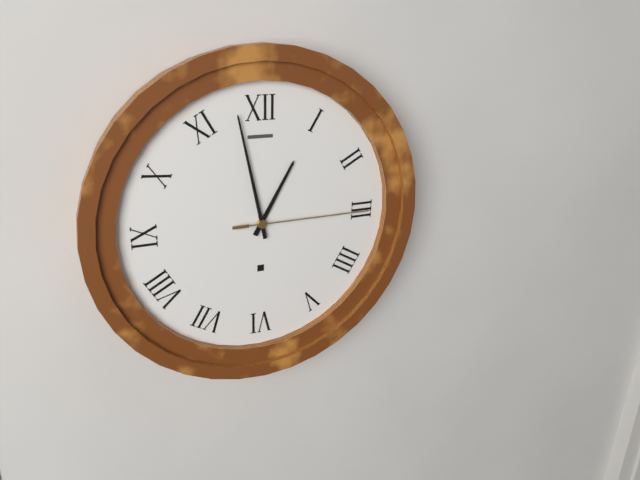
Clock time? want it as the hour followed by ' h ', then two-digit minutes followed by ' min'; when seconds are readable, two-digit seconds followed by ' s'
12 h 58 min 15 s
